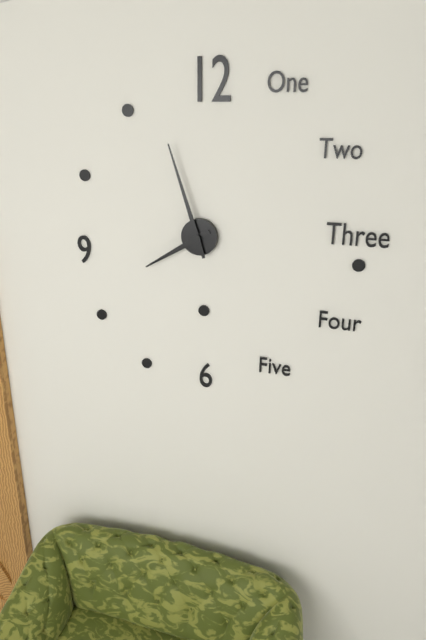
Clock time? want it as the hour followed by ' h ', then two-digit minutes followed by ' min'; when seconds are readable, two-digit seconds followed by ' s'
7 h 57 min
